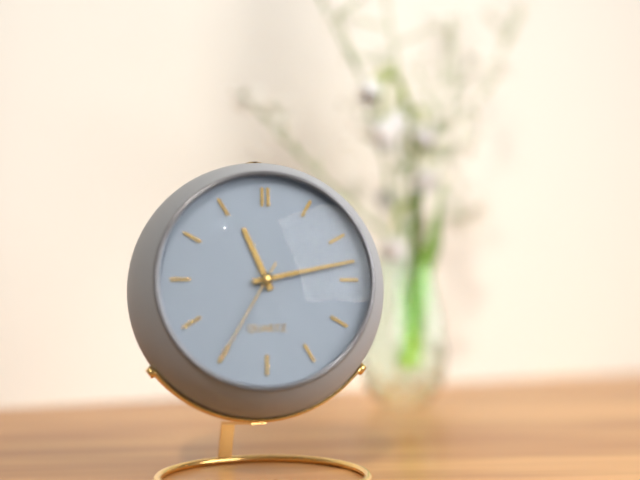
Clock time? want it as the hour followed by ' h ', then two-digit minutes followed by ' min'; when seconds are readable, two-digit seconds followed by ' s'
11 h 13 min 35 s
